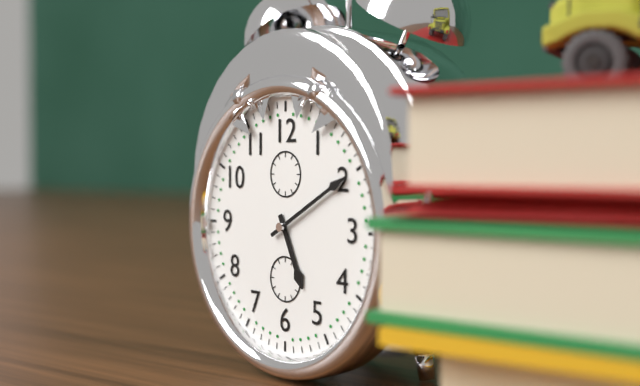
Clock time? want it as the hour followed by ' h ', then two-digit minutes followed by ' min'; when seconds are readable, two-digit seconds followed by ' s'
5 h 10 min
